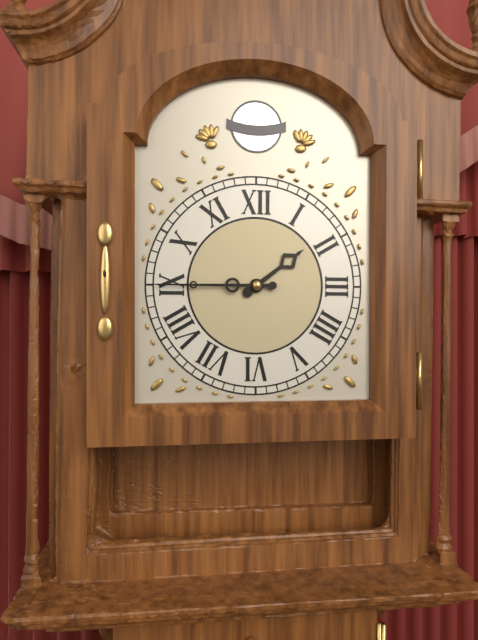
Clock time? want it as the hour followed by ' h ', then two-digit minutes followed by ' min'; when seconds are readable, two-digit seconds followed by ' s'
1 h 45 min
